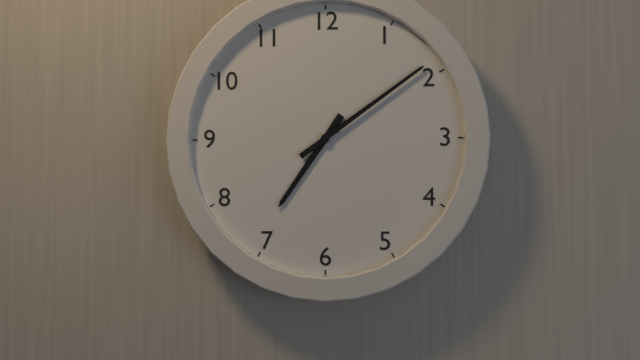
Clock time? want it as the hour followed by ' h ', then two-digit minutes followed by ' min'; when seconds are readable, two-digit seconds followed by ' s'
7 h 09 min
